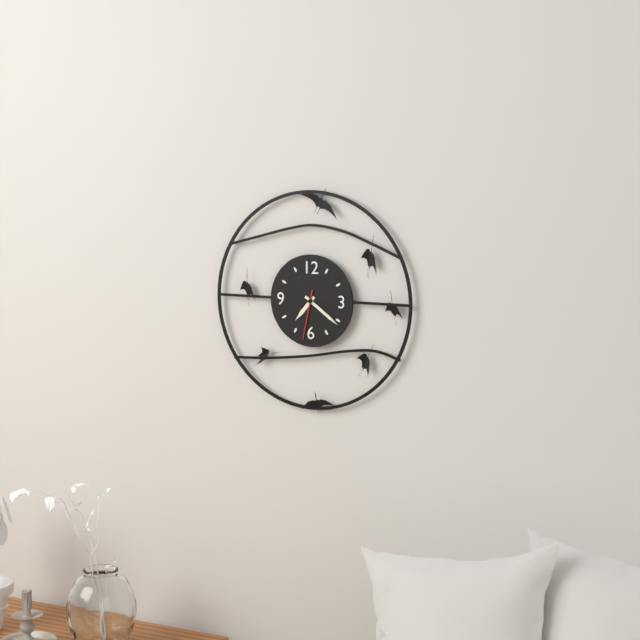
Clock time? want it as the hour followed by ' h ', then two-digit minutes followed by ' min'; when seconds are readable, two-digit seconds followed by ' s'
7 h 21 min 32 s
